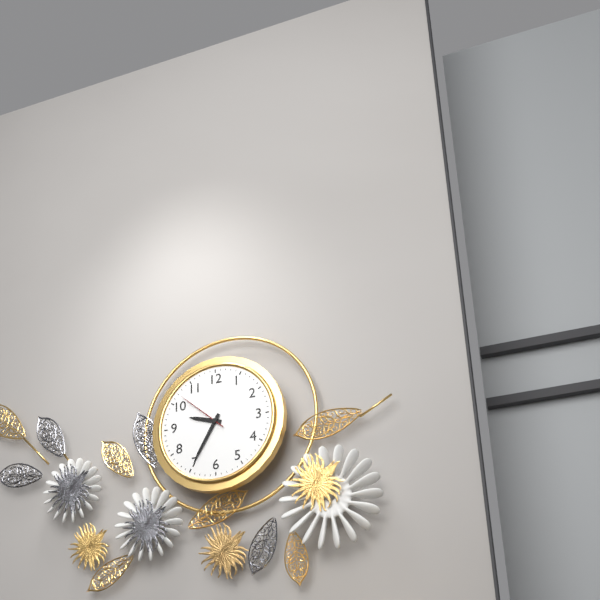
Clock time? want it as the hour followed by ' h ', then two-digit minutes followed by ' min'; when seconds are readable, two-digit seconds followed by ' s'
9 h 35 min 52 s
